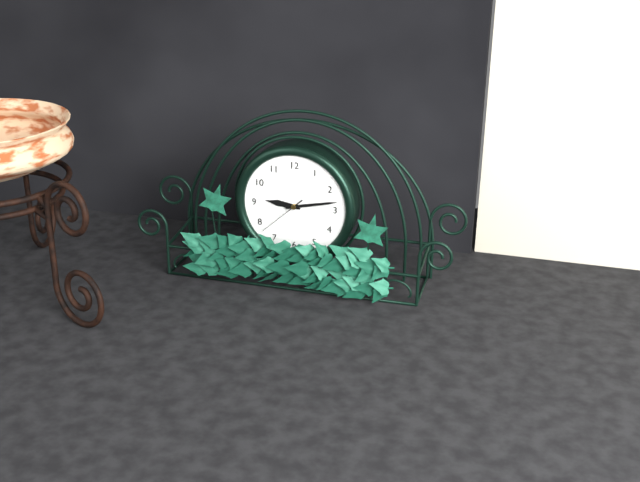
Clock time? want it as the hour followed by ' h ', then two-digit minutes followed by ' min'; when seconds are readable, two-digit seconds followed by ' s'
9 h 13 min
